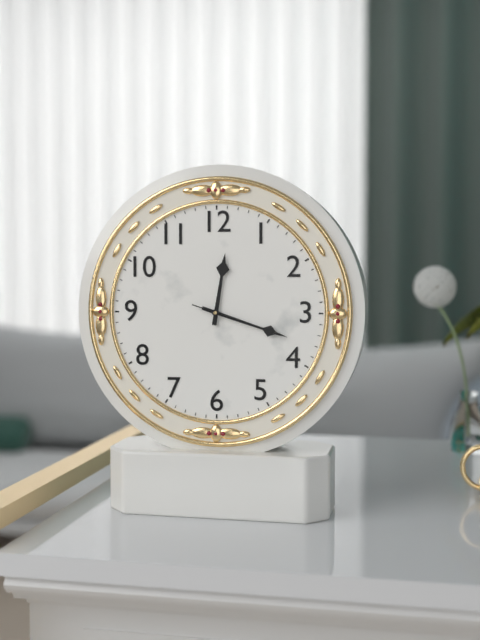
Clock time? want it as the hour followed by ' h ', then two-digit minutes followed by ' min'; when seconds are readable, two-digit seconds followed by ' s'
12 h 18 min 18 s
